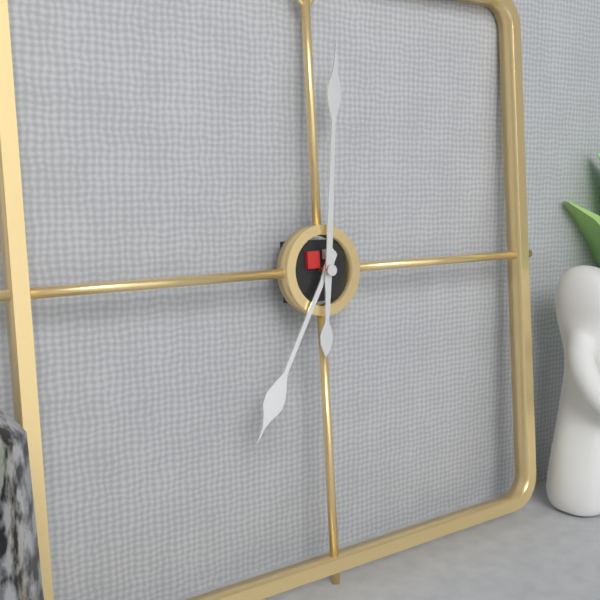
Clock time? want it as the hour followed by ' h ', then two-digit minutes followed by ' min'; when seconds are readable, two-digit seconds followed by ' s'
7 h 01 min
